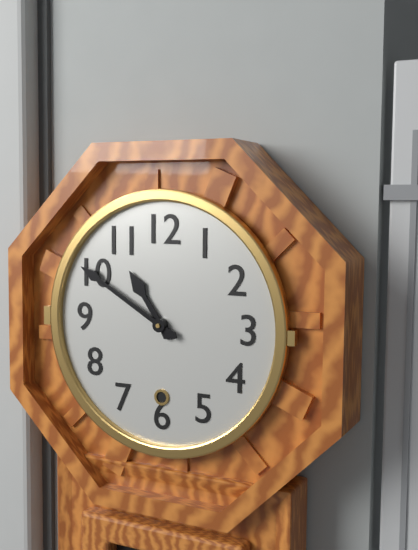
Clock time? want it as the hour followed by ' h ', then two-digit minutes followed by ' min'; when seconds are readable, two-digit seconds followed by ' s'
10 h 50 min
